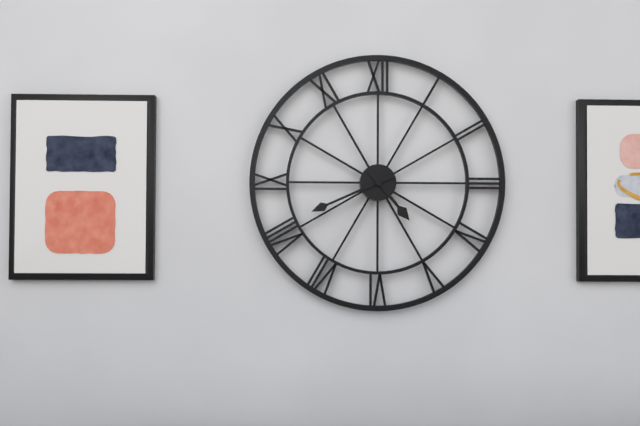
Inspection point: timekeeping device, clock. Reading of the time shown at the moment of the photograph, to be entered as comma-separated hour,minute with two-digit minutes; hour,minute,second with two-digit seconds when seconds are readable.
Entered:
4,41
